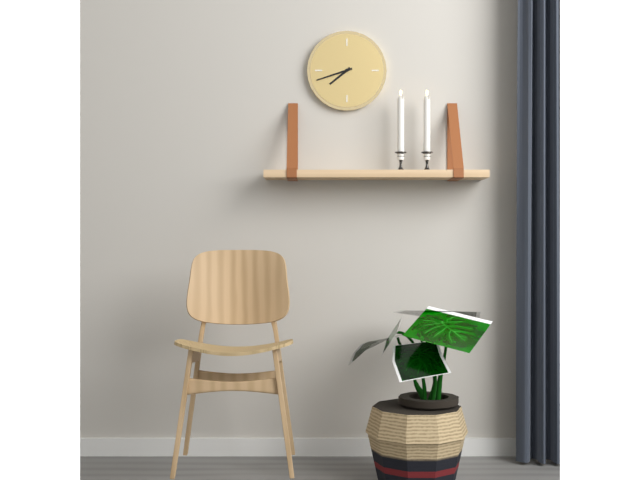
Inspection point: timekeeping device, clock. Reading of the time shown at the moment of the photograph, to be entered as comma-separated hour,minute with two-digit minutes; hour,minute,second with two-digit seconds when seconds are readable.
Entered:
7,42
